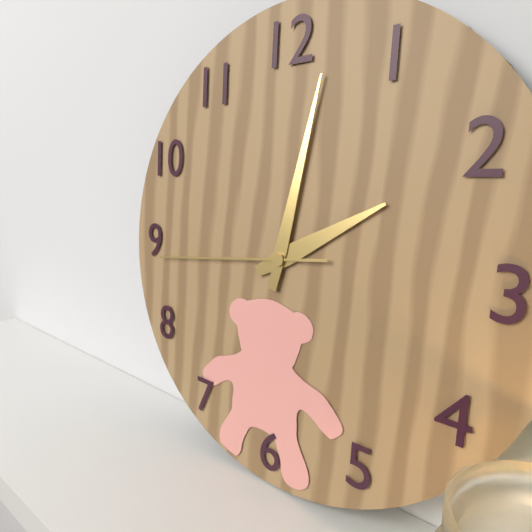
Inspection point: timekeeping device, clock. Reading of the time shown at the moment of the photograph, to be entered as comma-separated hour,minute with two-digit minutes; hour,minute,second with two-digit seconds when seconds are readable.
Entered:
2,02,44
